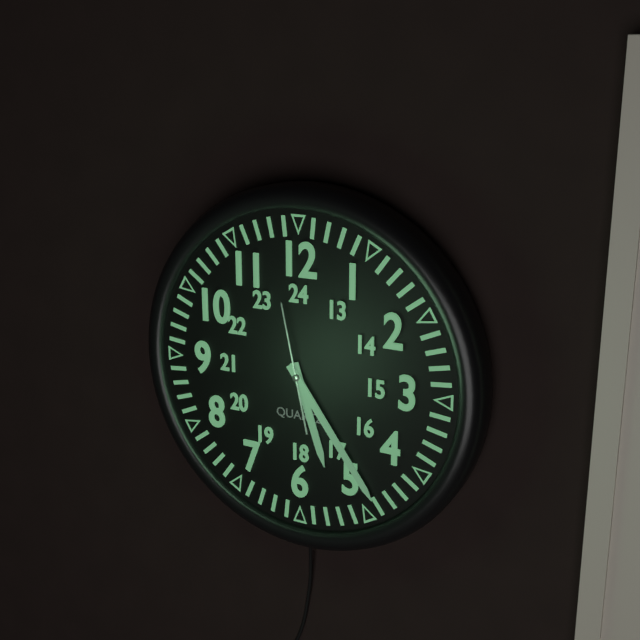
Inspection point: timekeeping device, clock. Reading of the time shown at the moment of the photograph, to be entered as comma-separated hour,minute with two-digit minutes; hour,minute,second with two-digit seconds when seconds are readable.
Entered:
5,24,58
